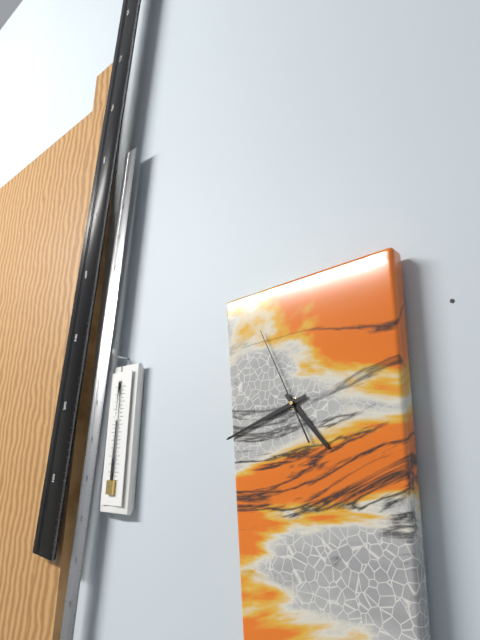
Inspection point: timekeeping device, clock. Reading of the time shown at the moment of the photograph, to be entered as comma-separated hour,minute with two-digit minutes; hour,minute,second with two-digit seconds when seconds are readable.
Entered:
4,42,56
